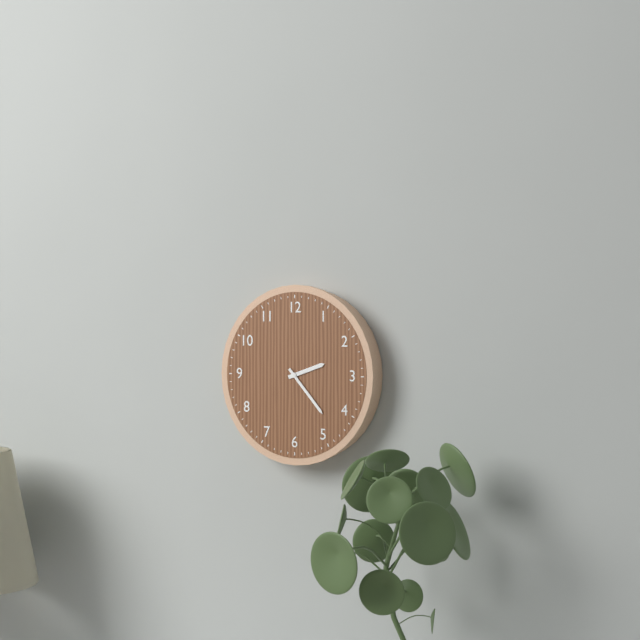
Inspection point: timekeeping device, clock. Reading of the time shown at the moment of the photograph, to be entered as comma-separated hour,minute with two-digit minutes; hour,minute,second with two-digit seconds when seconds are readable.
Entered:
2,23
